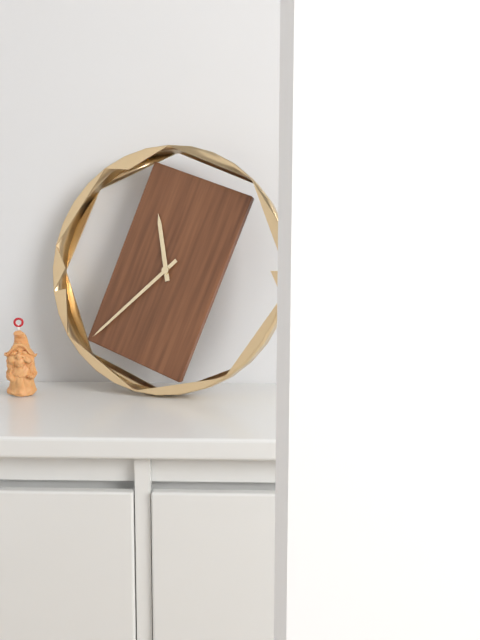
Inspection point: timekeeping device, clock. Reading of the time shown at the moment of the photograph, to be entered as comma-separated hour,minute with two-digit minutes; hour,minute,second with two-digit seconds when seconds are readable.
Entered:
11,38
